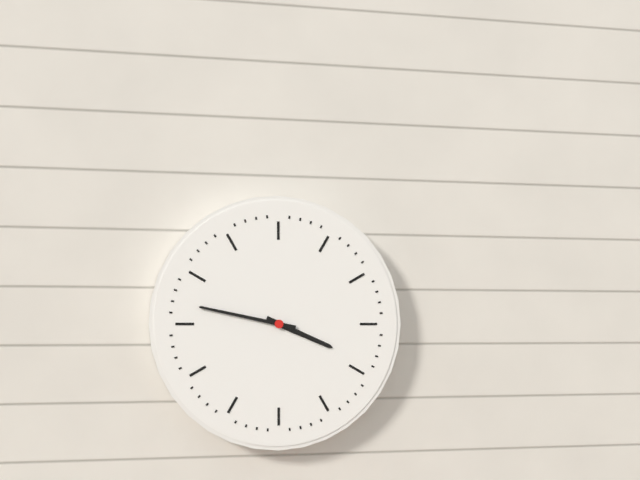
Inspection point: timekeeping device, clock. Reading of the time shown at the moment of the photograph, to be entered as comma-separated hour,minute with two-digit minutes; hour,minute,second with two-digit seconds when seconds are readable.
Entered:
3,47
